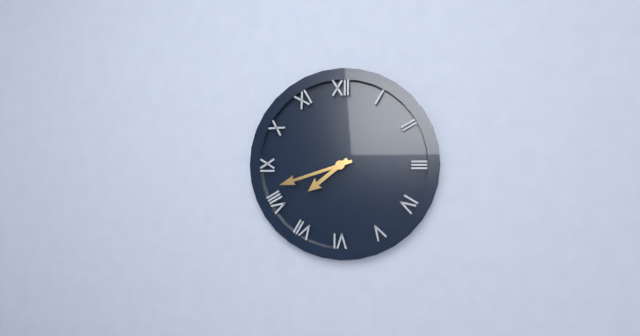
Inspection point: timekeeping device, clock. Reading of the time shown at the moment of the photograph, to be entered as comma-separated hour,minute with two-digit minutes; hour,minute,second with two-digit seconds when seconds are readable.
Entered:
7,42
